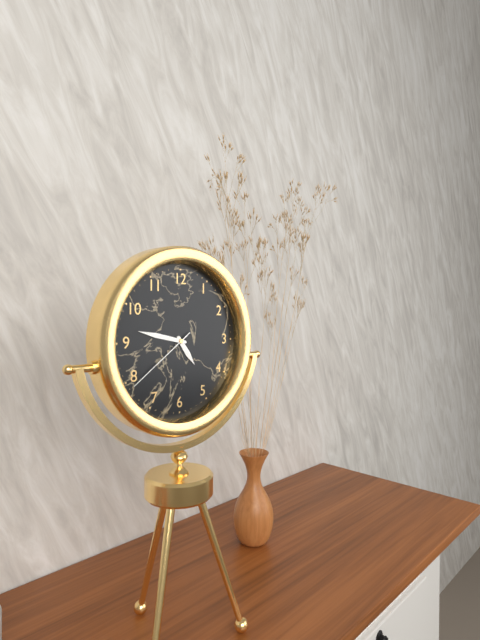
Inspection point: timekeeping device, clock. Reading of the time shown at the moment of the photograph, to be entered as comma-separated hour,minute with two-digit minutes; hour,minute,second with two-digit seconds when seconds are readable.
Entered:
4,47,39
